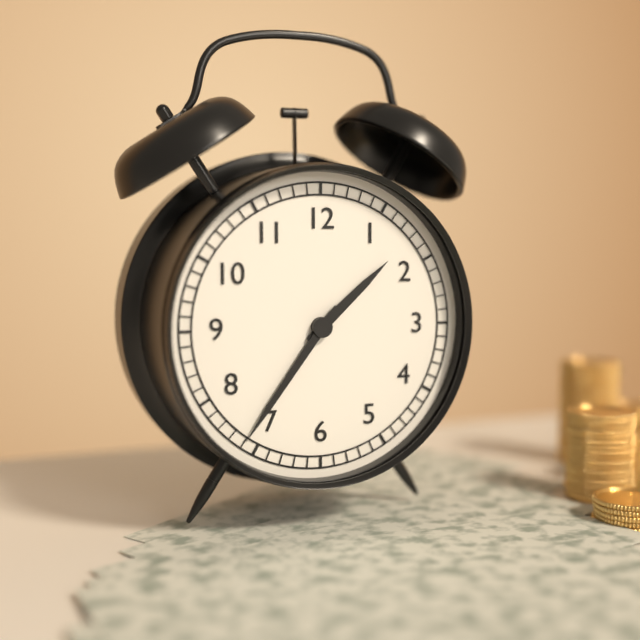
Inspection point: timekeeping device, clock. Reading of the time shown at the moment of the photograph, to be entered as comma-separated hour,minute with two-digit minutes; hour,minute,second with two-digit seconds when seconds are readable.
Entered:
1,36
